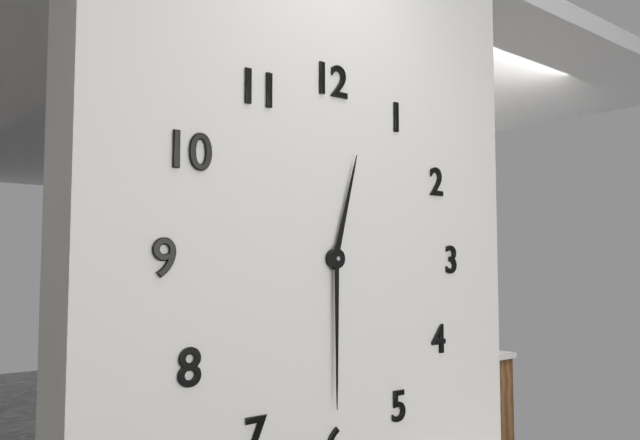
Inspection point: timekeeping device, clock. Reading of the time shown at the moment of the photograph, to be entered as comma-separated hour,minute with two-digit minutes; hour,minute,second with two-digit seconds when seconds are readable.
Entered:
12,30
